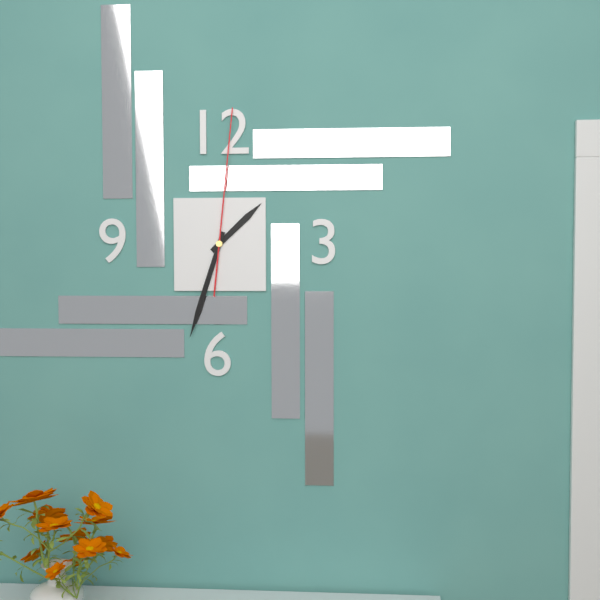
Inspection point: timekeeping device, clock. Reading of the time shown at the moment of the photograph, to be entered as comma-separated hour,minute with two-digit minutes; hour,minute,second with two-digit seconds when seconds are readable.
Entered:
1,33,01
